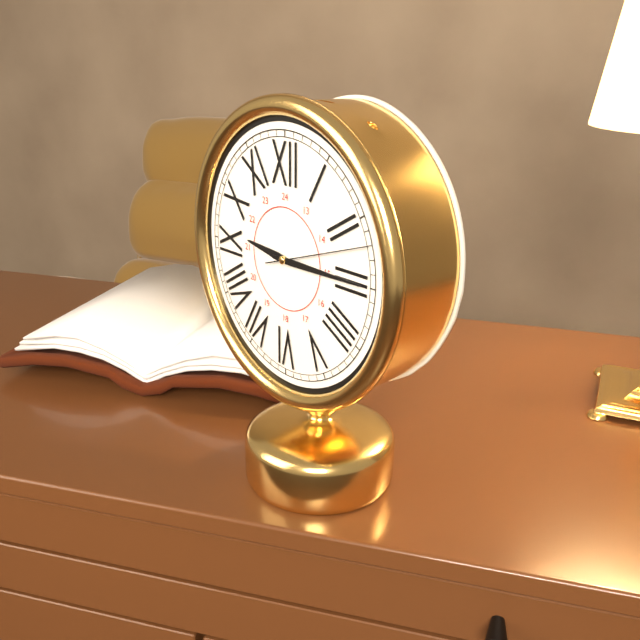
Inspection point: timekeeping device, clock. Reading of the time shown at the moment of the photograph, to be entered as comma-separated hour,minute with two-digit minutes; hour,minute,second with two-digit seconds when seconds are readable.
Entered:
9,15,12
